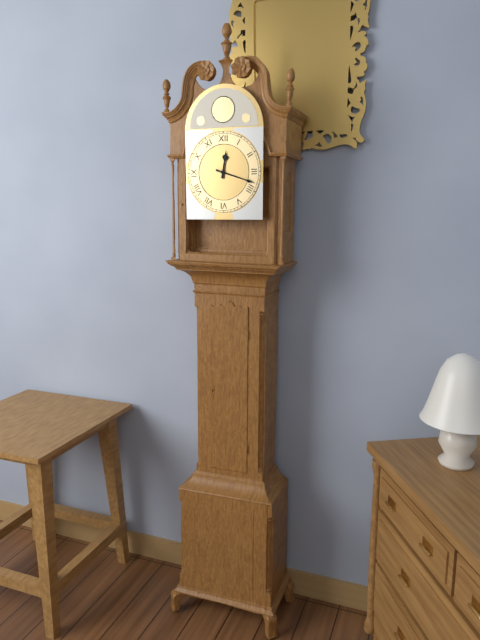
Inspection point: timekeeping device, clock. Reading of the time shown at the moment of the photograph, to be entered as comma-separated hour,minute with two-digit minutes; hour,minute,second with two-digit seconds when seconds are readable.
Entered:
12,18
